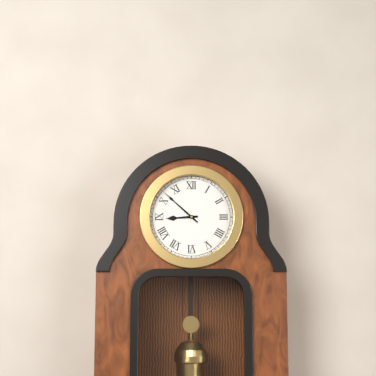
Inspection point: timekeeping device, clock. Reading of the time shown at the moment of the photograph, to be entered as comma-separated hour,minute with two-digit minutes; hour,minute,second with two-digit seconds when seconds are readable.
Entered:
8,52
